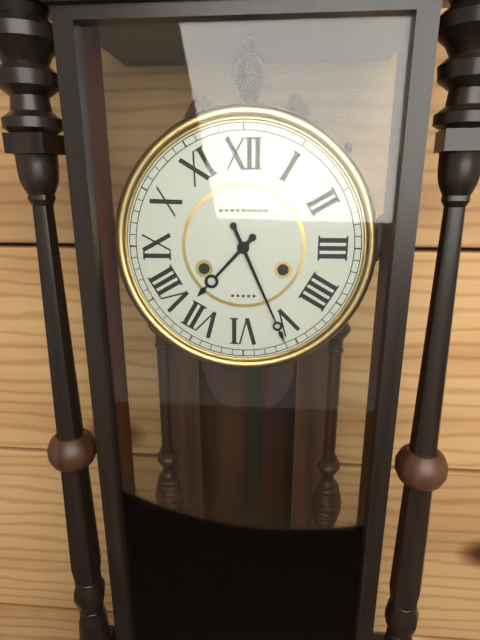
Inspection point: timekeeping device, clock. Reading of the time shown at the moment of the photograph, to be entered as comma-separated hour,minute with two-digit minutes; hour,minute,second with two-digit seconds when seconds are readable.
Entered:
7,26
